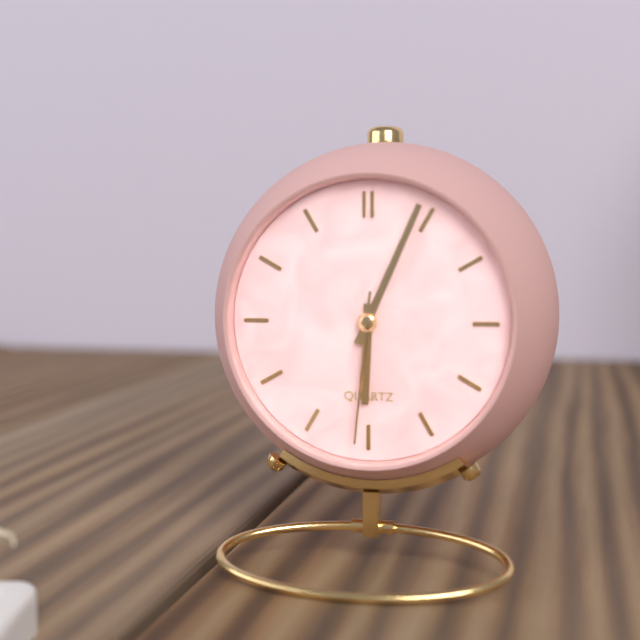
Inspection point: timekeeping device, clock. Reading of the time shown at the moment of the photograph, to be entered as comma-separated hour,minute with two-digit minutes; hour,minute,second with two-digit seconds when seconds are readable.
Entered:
6,04,31
